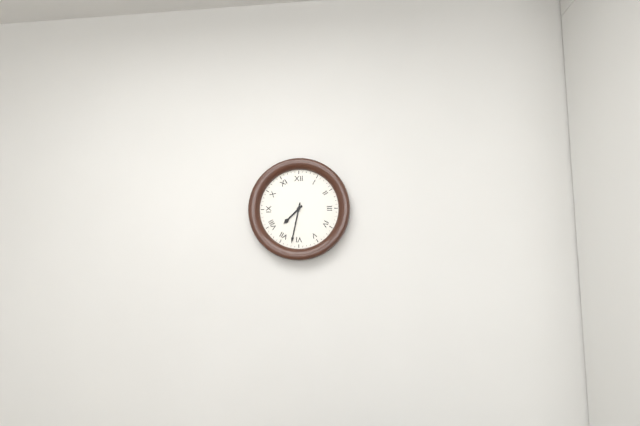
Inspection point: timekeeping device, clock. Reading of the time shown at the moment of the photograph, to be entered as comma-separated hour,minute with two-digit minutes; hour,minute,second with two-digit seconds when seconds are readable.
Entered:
7,32
